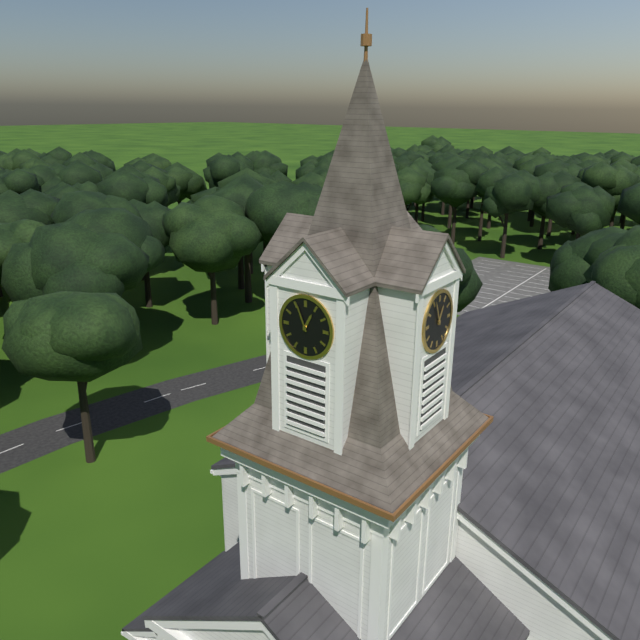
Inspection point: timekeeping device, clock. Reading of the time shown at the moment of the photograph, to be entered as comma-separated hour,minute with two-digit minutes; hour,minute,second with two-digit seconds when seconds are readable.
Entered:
12,56
